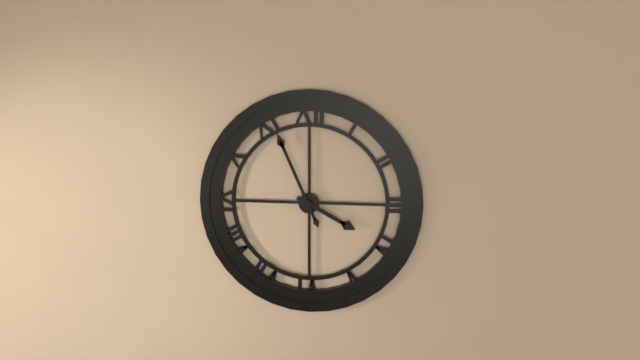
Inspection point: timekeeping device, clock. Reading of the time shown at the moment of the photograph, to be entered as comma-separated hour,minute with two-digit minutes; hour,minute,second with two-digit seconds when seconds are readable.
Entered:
3,56
